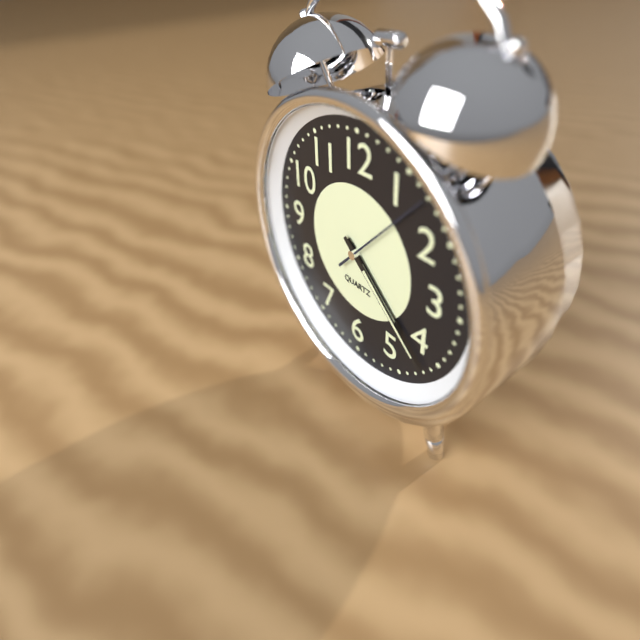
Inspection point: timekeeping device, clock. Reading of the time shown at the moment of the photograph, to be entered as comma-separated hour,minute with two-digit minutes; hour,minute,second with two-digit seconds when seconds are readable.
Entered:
4,22,07
